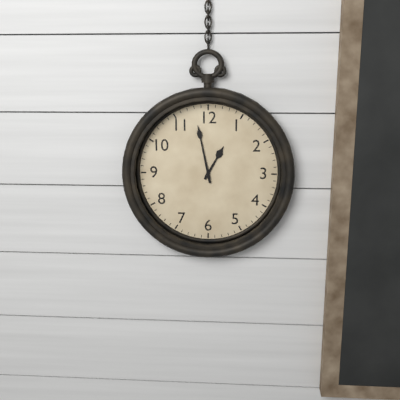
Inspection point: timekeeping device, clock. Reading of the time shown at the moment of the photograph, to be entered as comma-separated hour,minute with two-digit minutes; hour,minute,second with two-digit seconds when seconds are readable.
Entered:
12,58
